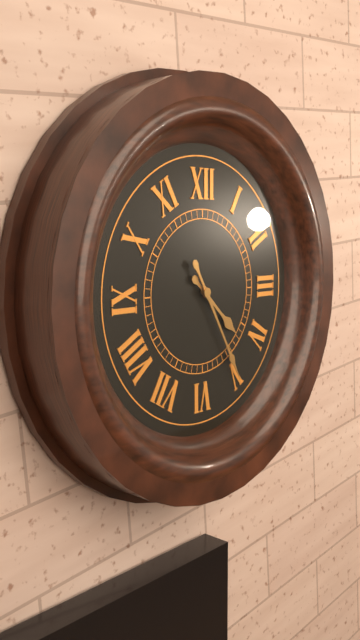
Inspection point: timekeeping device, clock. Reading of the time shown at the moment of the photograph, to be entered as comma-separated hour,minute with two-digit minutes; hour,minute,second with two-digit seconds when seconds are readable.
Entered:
4,25
